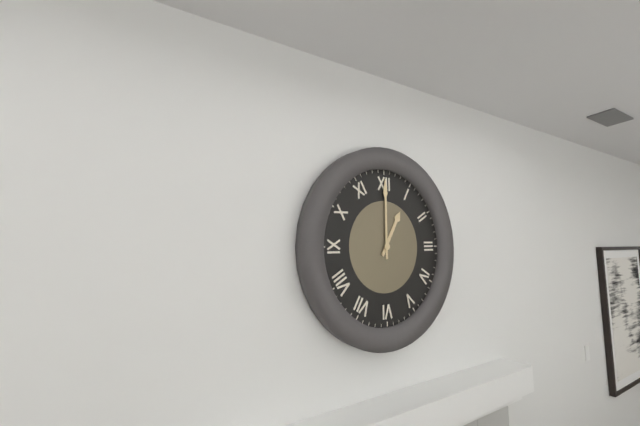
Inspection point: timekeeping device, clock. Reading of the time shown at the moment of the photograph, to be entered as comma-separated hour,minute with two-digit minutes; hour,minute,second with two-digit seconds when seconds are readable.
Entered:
1,00
